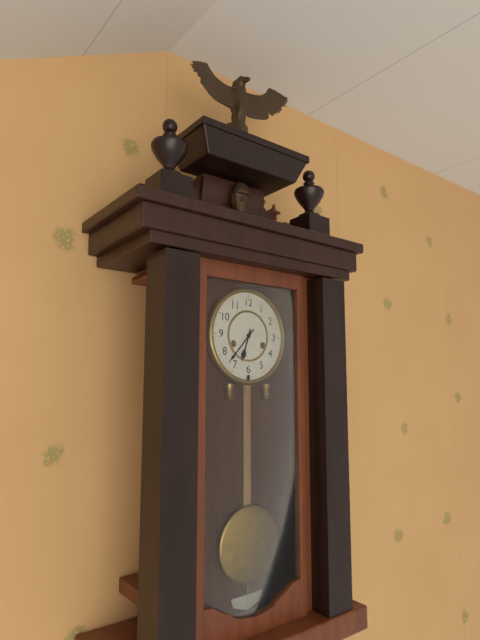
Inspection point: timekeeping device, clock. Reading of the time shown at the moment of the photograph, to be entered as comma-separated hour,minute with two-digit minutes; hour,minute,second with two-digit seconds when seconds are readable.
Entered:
6,37
